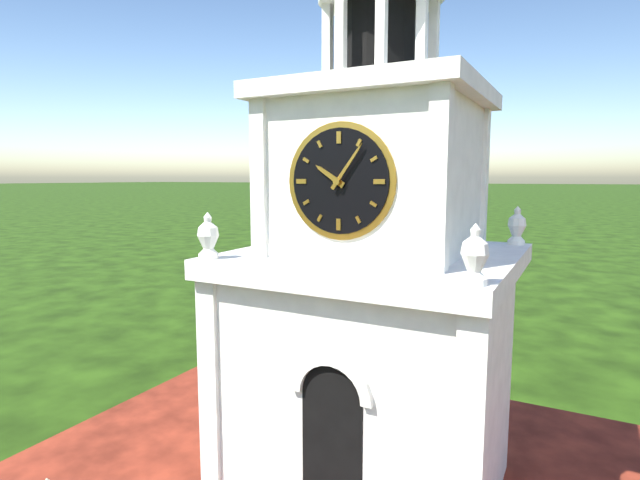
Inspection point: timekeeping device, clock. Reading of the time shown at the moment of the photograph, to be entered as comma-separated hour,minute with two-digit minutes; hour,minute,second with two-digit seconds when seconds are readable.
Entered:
10,06
